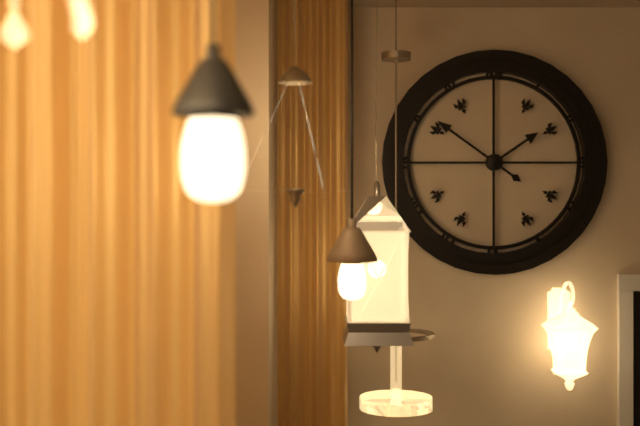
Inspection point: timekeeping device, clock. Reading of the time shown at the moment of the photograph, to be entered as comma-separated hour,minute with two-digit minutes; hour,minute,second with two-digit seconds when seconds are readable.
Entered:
1,51
